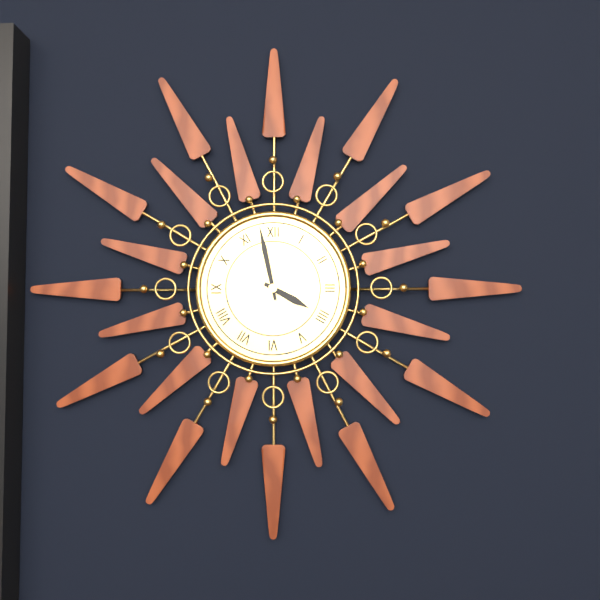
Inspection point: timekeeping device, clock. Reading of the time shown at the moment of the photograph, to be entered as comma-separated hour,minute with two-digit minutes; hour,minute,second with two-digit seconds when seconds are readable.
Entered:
3,58
